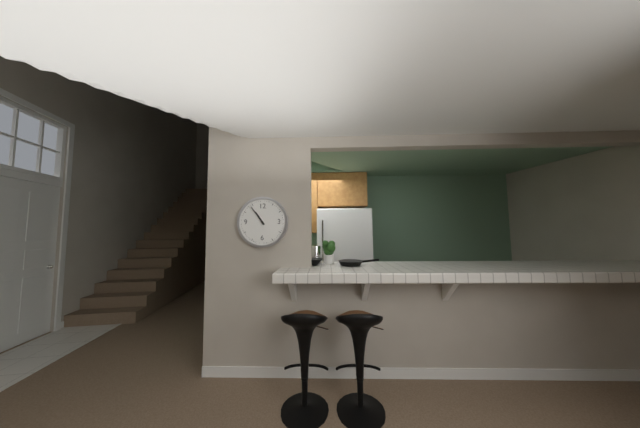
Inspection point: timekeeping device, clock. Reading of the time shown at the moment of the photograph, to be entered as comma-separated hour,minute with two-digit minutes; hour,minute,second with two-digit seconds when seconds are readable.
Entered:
10,54
